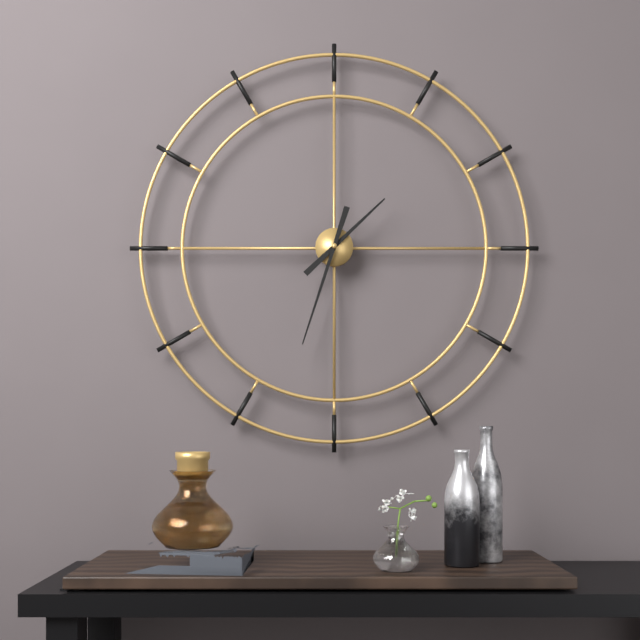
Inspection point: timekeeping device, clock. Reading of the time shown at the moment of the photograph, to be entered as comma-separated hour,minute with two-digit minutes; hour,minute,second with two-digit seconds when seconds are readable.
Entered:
1,33
